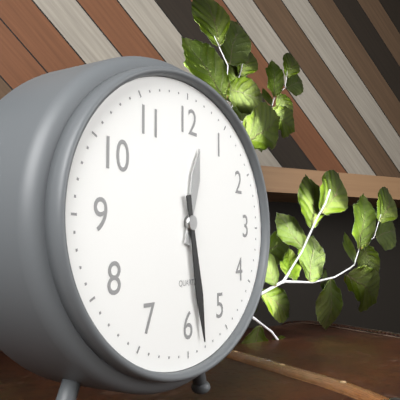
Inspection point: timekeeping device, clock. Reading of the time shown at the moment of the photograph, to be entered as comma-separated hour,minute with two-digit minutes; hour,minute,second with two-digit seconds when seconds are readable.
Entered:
12,28
